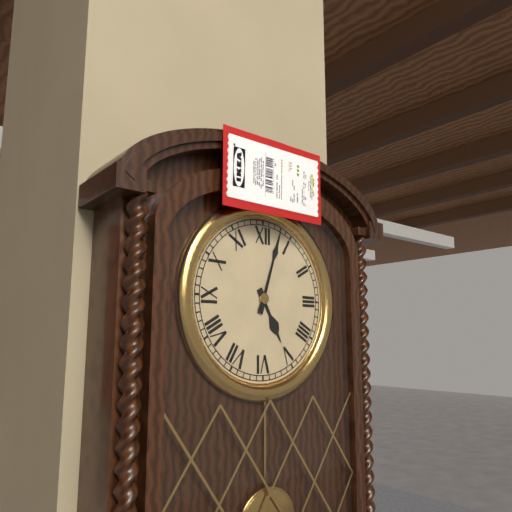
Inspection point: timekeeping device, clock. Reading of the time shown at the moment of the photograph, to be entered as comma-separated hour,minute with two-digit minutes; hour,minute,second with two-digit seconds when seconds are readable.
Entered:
5,03
